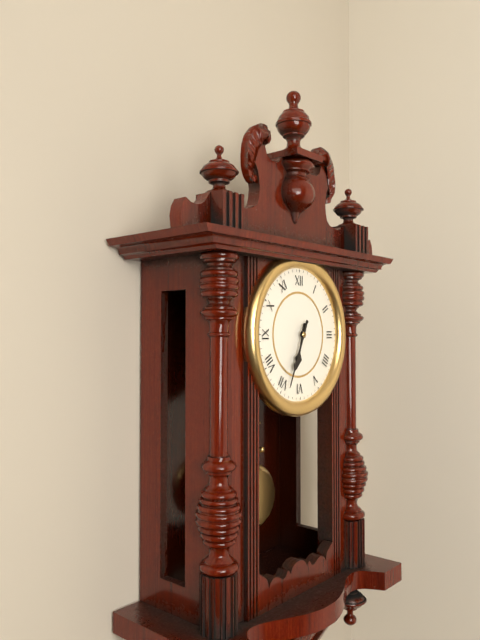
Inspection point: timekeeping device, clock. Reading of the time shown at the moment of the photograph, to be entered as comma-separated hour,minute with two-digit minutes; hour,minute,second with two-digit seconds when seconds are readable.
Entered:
6,34
